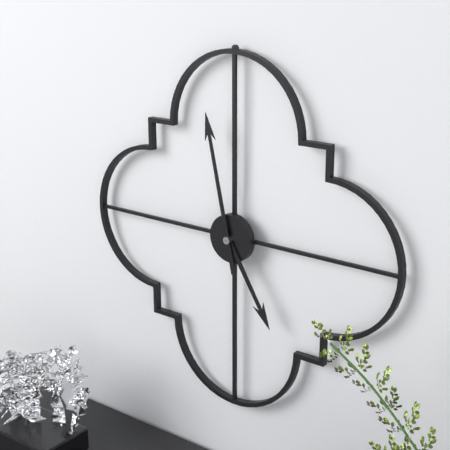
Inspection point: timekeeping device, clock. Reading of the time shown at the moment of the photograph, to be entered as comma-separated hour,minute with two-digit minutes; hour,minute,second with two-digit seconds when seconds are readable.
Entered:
4,58
